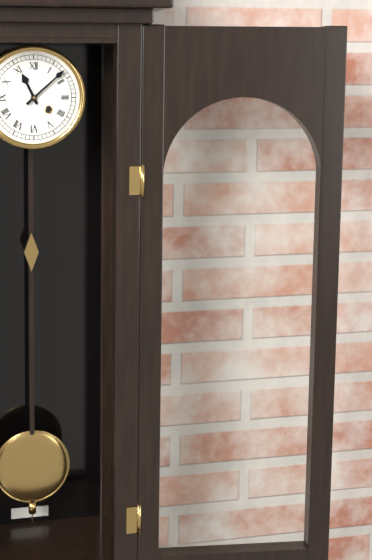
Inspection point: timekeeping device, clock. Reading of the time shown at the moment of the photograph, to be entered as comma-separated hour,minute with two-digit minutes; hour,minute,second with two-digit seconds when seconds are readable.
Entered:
11,08
